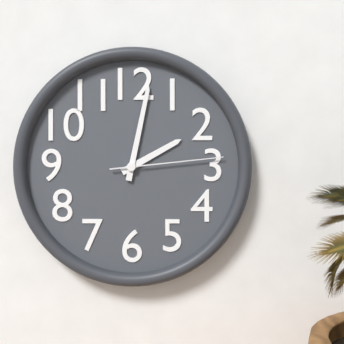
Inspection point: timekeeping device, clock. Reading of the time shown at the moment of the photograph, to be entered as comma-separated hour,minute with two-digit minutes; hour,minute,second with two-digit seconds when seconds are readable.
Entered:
2,02,14
